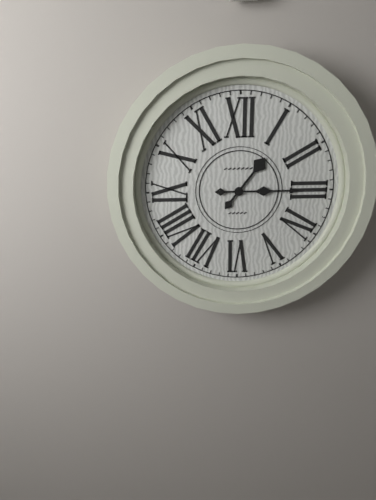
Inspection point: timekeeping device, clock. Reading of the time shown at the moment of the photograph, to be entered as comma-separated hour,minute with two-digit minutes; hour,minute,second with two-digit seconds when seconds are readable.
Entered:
1,15
